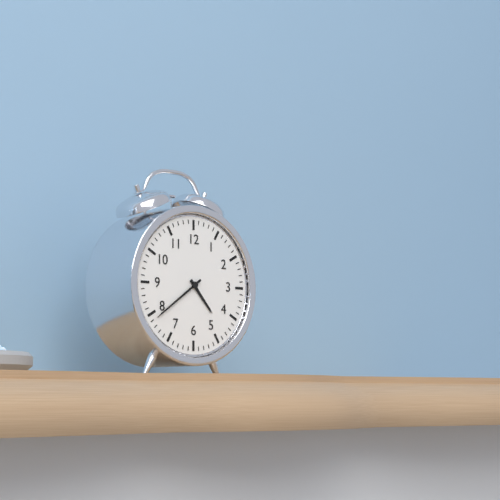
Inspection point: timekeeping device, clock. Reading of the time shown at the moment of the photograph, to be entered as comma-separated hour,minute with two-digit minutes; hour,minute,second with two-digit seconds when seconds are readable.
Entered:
4,39
